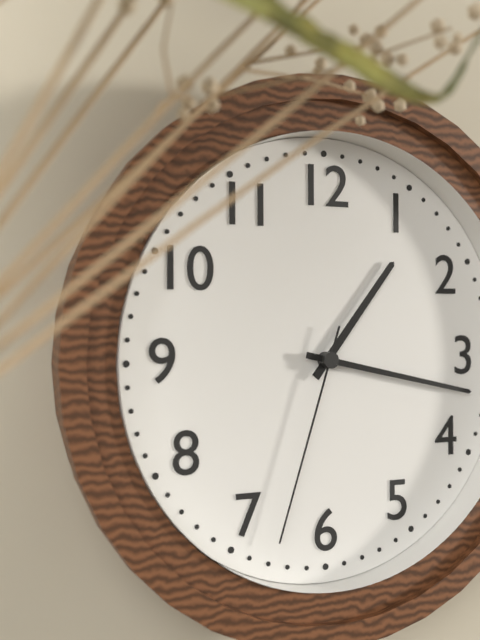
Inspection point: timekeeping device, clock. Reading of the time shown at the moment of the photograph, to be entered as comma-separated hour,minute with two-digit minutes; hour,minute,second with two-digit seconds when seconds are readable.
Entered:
1,17,33
